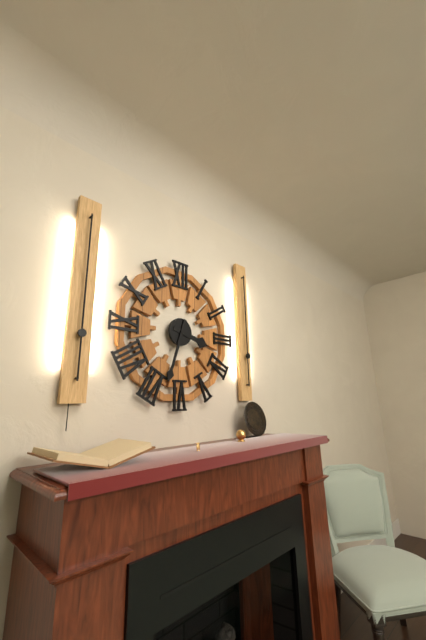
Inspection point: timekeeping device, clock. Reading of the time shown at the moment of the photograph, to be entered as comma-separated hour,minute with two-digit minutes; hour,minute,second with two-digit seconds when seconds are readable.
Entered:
3,33
